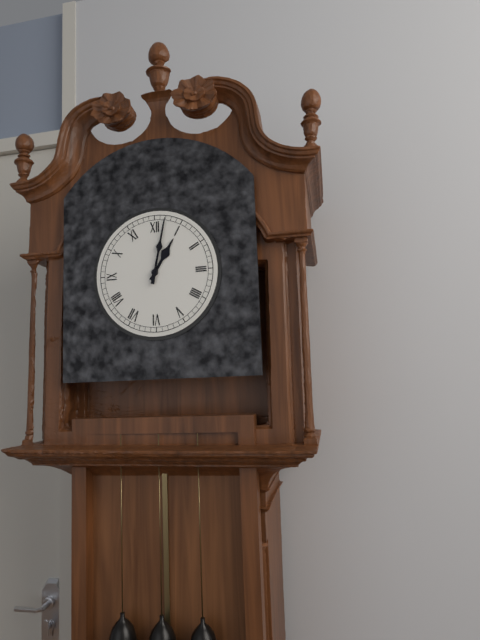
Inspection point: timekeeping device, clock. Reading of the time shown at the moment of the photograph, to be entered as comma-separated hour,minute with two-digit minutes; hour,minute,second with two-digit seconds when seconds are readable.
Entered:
1,02
